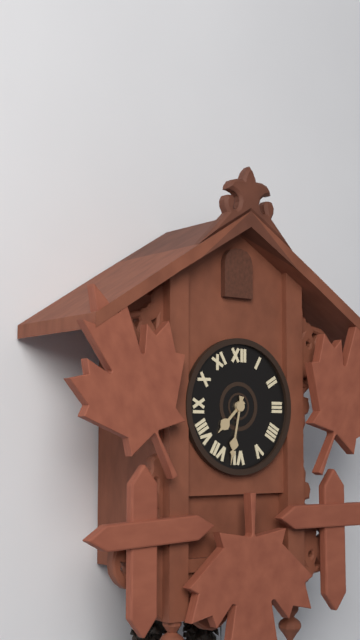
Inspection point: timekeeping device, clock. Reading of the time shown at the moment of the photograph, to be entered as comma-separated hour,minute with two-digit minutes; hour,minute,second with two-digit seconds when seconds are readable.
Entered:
7,32
